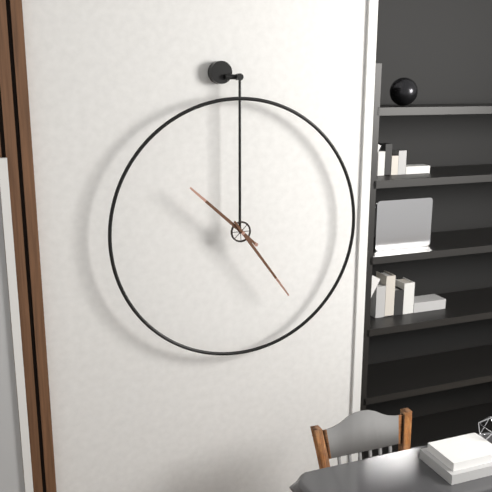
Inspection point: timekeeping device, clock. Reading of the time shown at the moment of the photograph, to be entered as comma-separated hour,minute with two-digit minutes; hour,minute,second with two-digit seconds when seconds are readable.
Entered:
10,24
